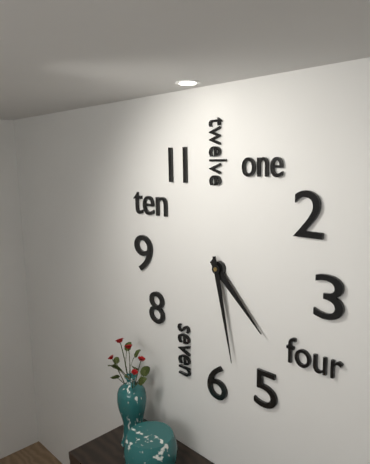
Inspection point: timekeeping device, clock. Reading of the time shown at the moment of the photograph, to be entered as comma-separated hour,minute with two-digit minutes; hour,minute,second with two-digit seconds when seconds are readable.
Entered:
4,28
